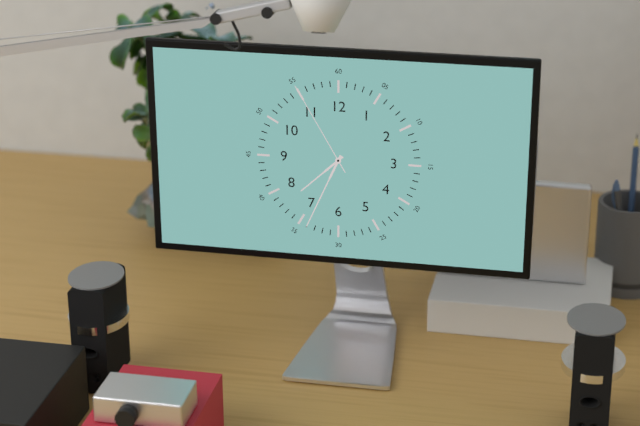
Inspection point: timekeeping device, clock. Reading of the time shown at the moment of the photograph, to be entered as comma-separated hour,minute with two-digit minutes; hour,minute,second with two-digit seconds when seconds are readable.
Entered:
7,34,55
